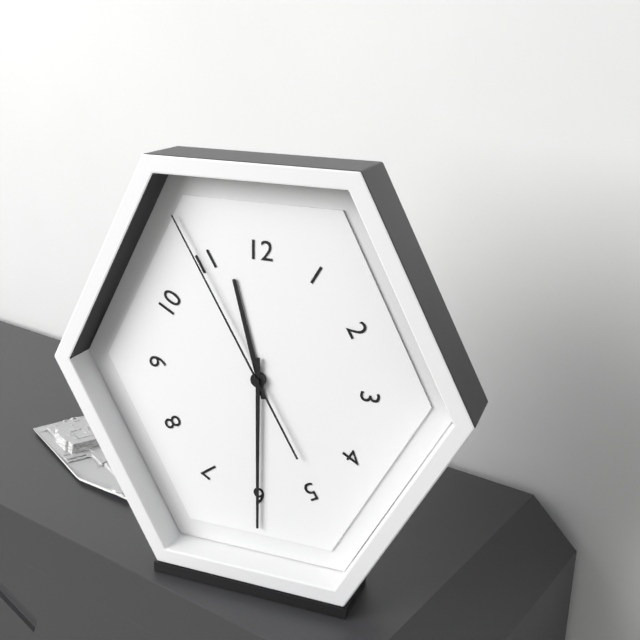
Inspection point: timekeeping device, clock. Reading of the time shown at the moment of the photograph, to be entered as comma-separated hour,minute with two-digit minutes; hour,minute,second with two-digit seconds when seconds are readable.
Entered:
11,30,55
